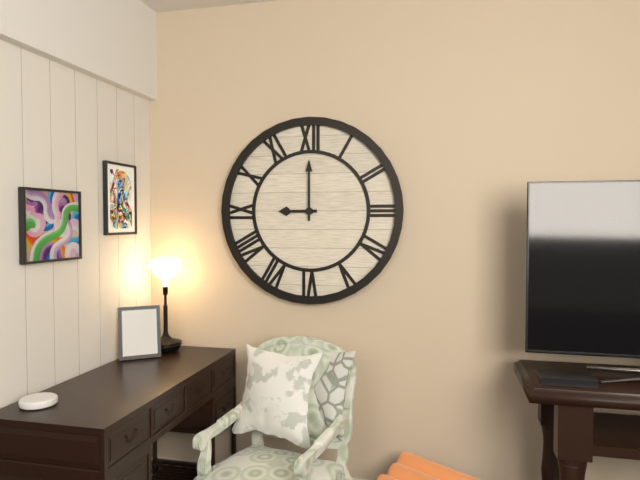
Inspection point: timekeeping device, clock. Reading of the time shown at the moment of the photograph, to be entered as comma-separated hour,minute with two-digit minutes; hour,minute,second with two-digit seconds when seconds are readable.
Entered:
9,00
